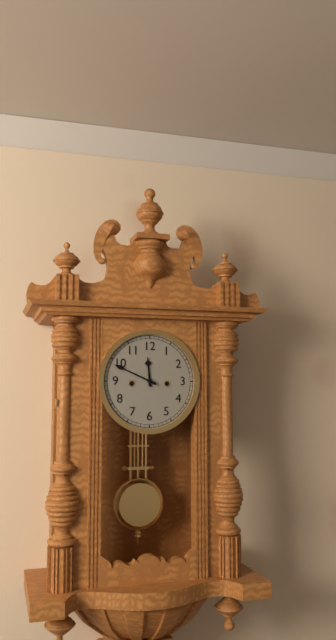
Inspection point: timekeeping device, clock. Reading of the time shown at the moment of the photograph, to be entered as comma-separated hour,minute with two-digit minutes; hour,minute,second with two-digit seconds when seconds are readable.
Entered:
11,49
